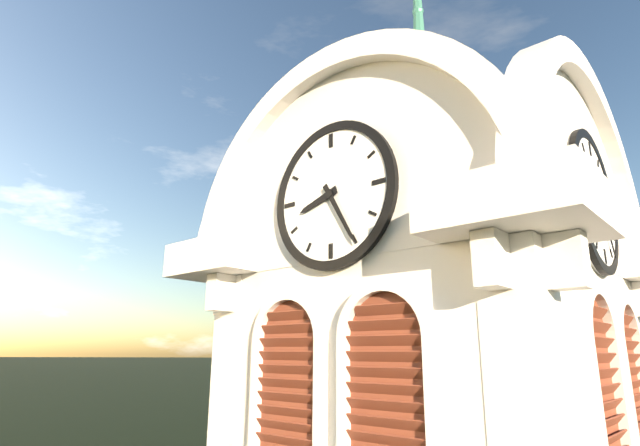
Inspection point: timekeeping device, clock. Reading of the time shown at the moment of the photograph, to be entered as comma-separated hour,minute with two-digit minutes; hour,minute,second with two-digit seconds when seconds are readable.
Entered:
8,25
